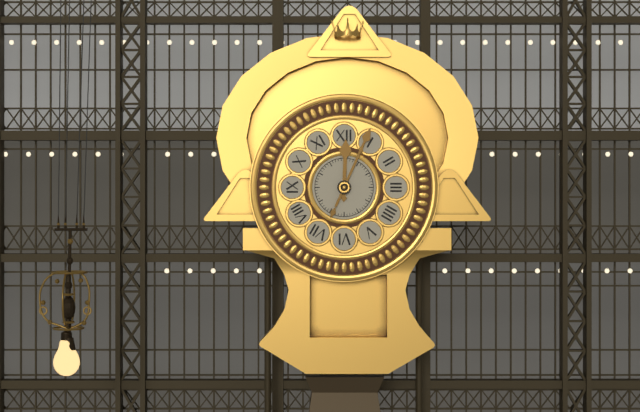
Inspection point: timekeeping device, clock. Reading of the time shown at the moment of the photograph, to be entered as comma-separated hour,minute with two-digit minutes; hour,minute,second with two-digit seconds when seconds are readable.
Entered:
12,04
